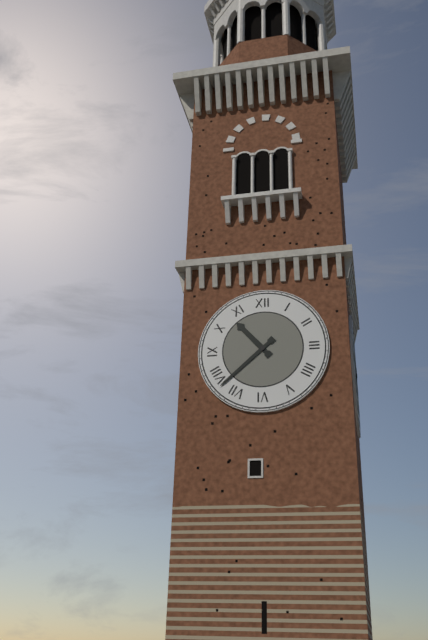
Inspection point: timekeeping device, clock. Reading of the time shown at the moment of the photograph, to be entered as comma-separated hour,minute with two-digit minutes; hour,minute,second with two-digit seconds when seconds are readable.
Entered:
10,38
